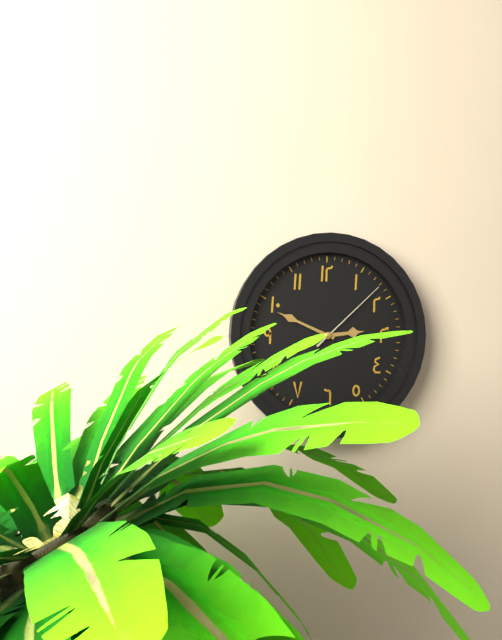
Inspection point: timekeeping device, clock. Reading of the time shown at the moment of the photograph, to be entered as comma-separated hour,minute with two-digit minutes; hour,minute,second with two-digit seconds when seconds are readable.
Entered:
2,49,08
